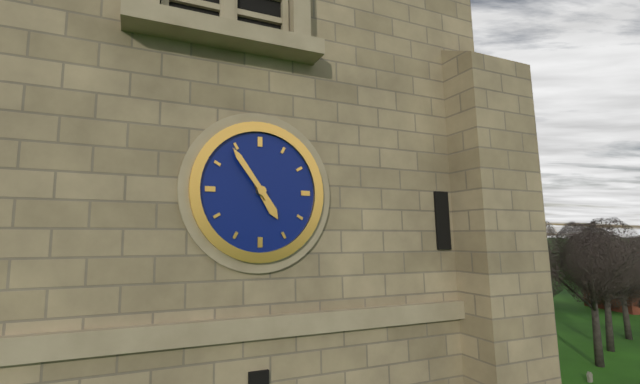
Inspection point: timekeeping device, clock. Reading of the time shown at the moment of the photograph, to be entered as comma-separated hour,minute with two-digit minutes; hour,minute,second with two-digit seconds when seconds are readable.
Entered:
4,54
